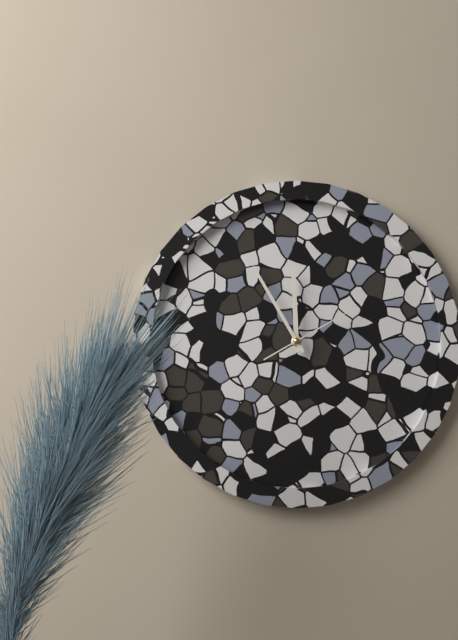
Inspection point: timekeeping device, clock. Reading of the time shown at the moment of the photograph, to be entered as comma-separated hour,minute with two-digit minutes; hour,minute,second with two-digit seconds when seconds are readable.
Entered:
11,55,10
